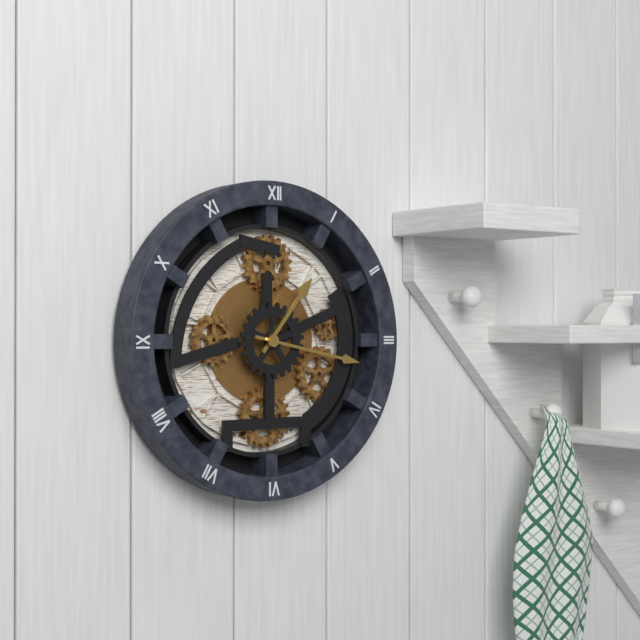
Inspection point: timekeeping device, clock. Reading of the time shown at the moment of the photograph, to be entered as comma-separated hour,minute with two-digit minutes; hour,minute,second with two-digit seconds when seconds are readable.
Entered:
1,17
